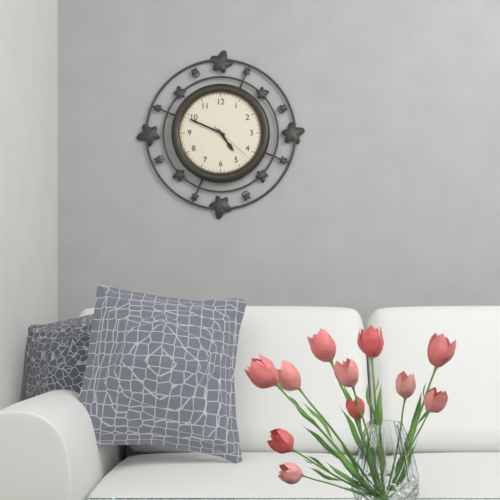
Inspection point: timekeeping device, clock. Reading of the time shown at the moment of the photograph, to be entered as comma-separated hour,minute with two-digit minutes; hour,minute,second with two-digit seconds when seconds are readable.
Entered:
4,49
